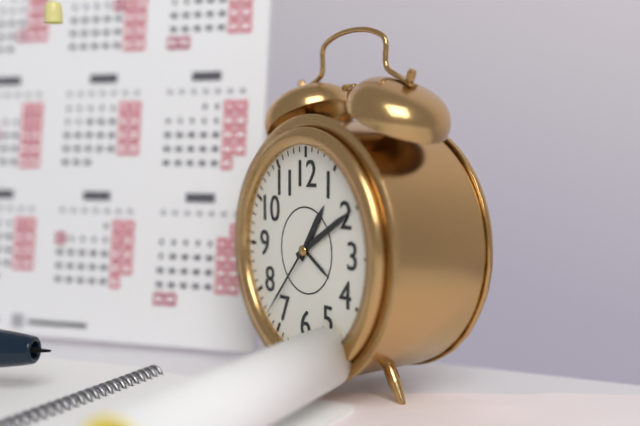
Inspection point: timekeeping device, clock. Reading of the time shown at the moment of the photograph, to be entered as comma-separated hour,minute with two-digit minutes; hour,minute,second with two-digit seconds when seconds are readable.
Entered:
1,10,37
